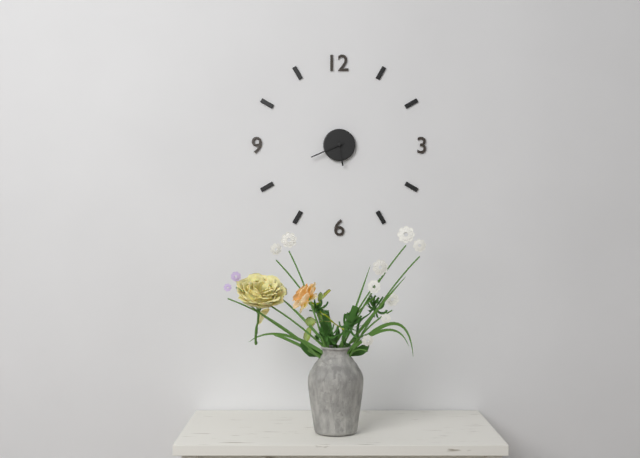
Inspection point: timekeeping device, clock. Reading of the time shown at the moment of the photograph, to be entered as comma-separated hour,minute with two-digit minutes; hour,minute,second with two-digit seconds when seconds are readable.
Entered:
5,41
